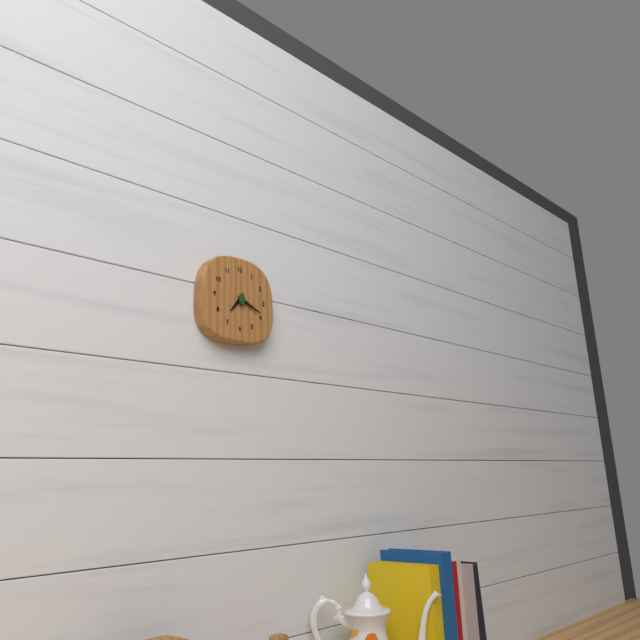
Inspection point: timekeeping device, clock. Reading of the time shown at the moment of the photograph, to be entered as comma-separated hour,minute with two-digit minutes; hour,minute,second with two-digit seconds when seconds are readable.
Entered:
7,19
